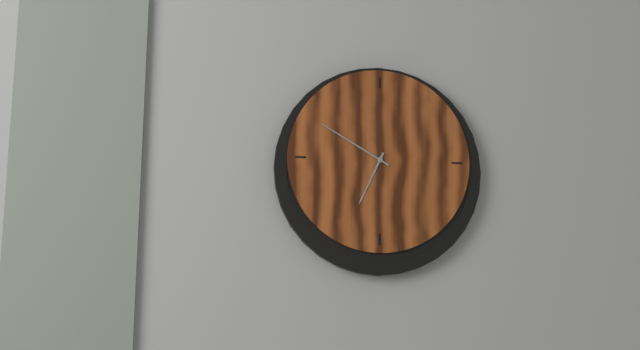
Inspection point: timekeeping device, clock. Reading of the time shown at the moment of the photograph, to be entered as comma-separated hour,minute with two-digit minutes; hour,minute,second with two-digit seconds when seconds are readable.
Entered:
6,50
